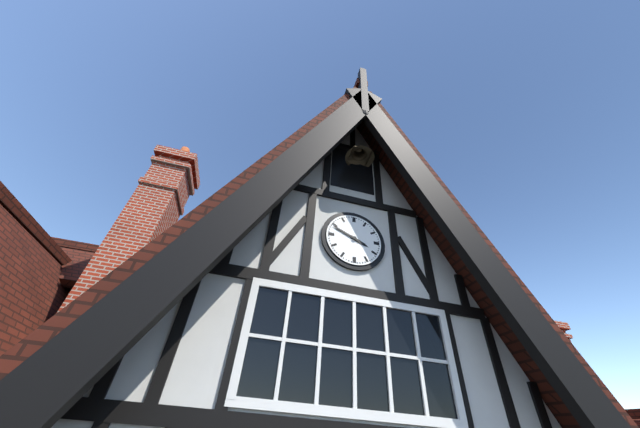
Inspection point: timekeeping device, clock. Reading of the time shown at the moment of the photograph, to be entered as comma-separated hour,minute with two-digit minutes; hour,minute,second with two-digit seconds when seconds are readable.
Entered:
3,49
